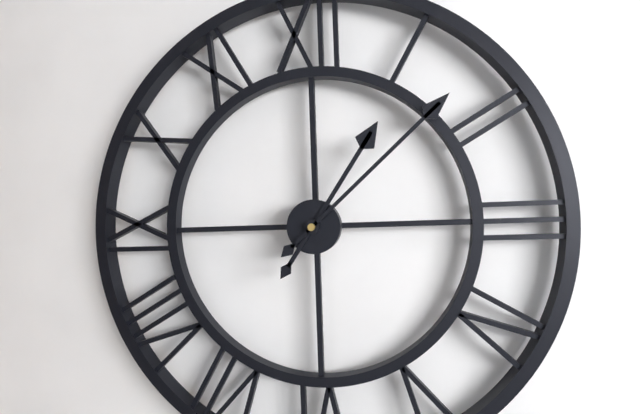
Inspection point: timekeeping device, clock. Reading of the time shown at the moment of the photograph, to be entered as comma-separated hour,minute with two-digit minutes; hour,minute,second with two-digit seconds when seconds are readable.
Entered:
1,08
